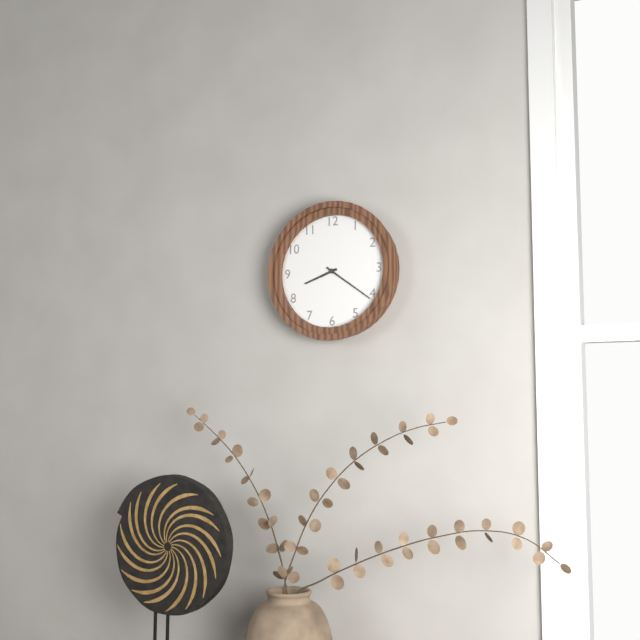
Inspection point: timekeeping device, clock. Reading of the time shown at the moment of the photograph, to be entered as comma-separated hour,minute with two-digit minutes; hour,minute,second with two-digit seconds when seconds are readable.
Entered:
8,21
